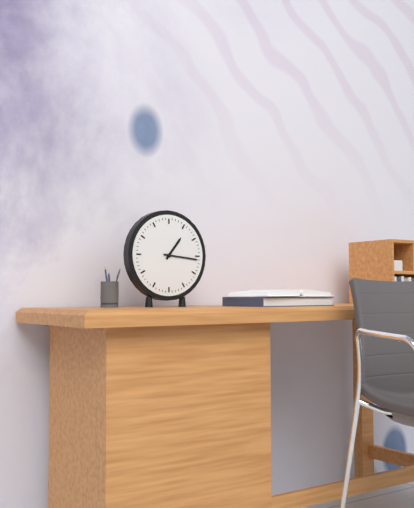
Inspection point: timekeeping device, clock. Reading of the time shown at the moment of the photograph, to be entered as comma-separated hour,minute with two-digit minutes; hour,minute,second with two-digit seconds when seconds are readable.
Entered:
1,16
